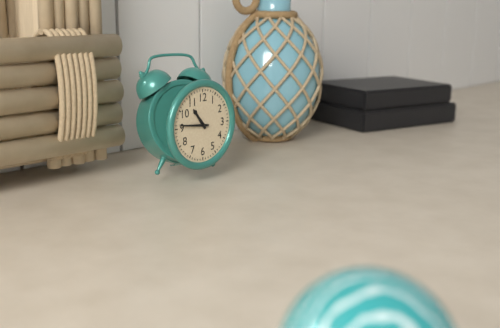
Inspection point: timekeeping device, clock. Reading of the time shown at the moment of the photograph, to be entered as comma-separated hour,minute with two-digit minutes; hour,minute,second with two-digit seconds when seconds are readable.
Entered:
10,46
